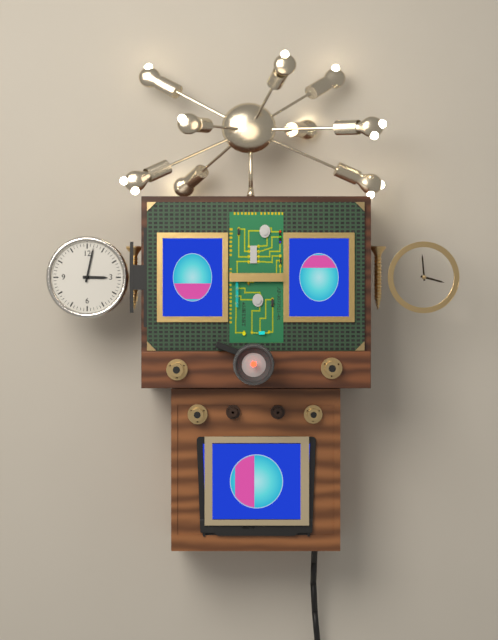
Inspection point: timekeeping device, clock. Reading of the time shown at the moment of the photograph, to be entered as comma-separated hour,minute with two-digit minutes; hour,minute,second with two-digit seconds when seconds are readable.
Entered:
3,02
